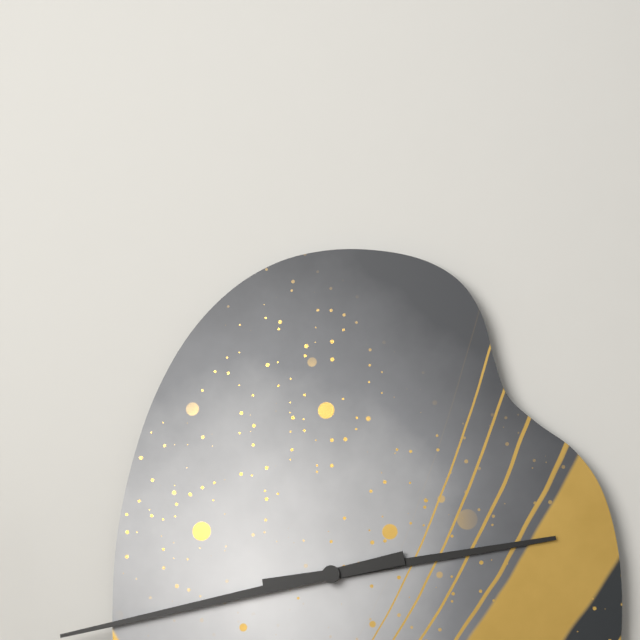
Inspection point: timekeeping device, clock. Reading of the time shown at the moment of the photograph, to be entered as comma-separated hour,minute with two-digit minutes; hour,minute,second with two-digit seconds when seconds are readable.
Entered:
2,43
